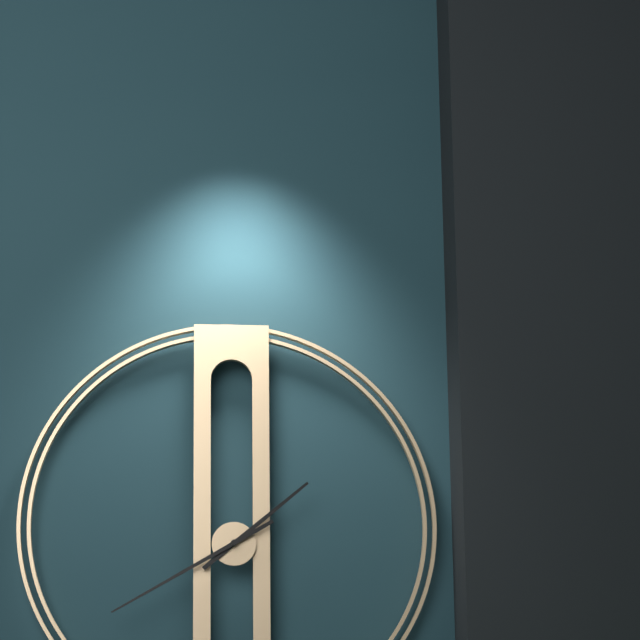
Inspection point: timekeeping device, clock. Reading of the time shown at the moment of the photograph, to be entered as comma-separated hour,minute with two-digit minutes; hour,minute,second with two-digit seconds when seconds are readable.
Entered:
1,40
